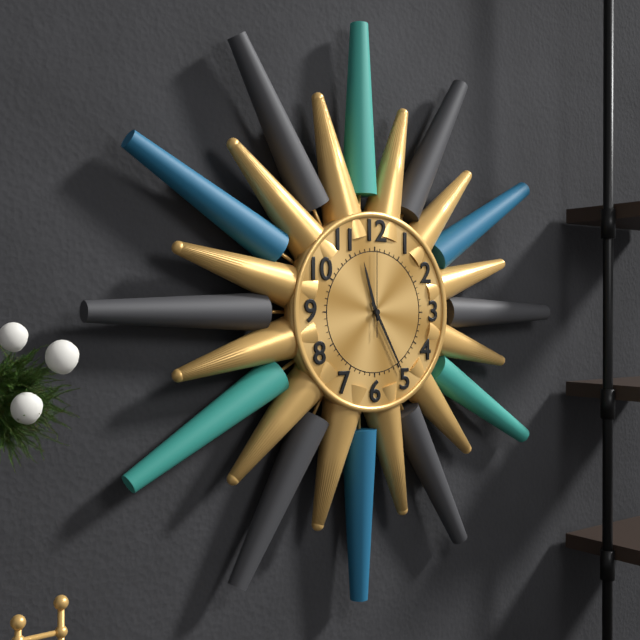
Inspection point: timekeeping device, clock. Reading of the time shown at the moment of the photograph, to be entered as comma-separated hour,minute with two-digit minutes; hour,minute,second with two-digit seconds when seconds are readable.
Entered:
11,25,00
